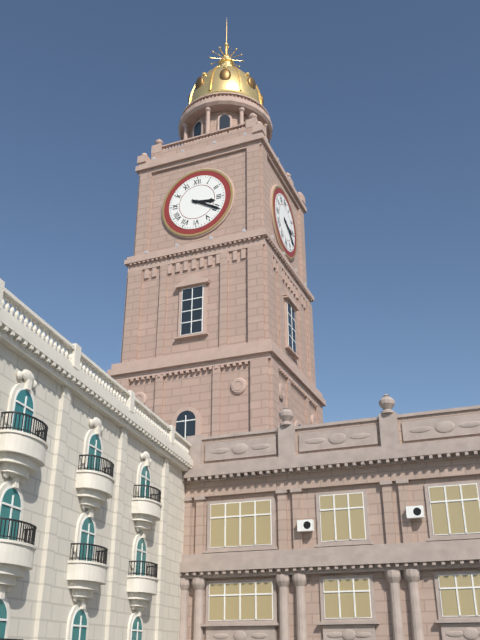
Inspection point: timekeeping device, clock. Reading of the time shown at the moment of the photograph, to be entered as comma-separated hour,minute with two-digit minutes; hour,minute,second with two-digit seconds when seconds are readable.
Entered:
3,20
